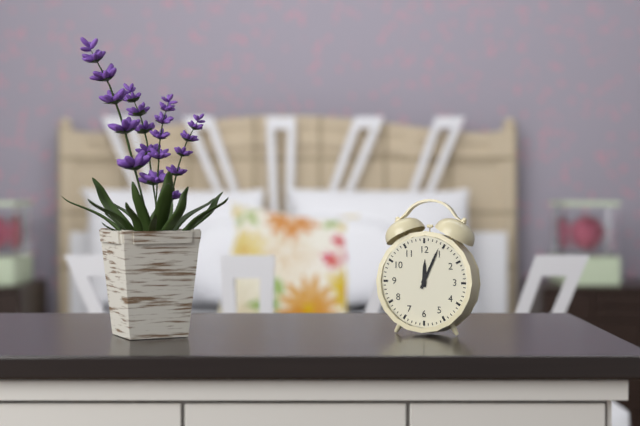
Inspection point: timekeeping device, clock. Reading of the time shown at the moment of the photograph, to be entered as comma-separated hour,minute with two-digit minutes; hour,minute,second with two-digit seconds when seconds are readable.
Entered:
12,04
